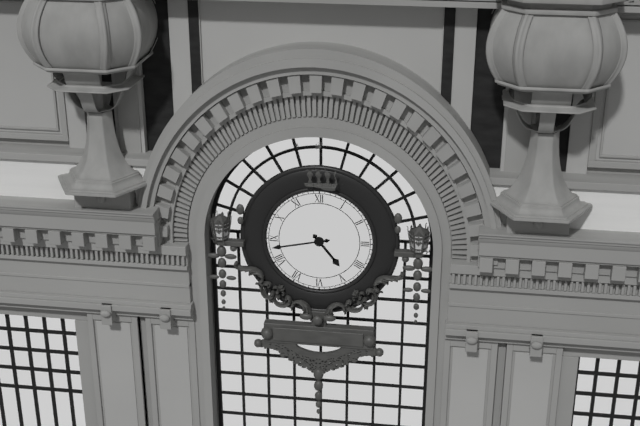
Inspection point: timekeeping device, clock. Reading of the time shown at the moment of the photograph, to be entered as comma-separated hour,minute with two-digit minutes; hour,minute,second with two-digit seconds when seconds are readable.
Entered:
4,43
